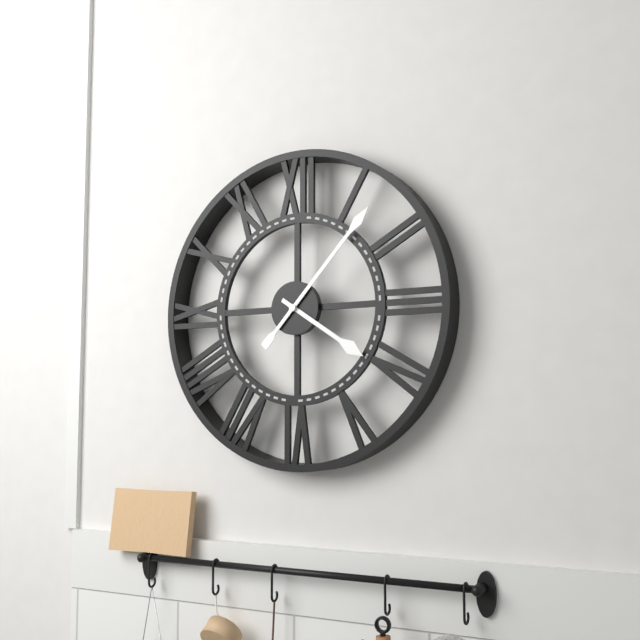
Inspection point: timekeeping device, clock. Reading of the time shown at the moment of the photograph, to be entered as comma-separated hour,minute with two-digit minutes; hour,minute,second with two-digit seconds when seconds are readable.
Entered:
4,07
